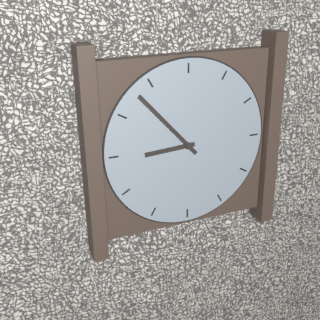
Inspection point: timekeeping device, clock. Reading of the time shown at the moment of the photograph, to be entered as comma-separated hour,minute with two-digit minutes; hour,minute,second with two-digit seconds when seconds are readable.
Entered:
8,53
